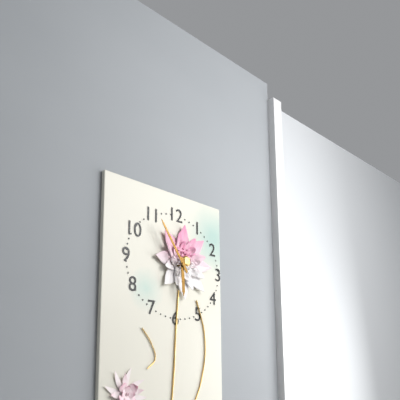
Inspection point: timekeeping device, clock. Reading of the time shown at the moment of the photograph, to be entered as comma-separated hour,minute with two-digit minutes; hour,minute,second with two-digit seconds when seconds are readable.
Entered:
5,54
